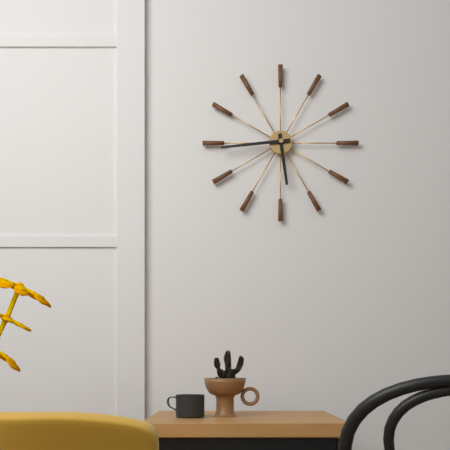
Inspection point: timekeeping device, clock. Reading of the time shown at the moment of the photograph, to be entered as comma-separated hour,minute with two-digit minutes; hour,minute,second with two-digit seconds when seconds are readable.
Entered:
5,44
